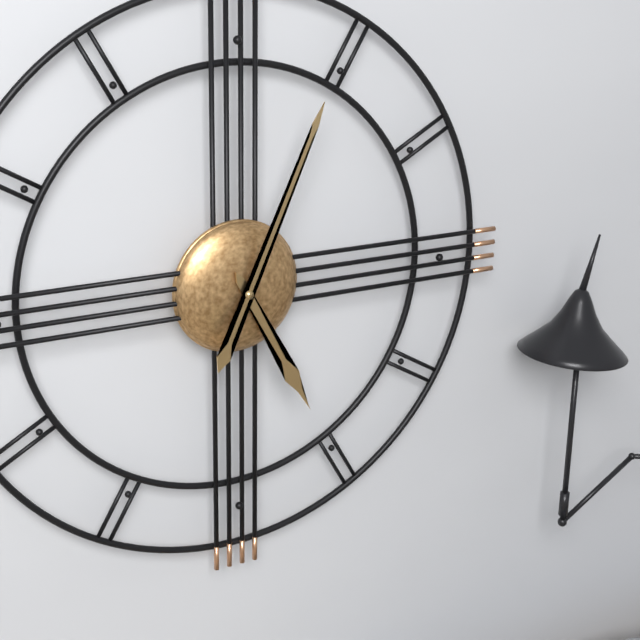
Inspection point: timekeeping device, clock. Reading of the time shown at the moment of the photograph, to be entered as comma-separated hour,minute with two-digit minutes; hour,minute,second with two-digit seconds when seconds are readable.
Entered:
5,04
